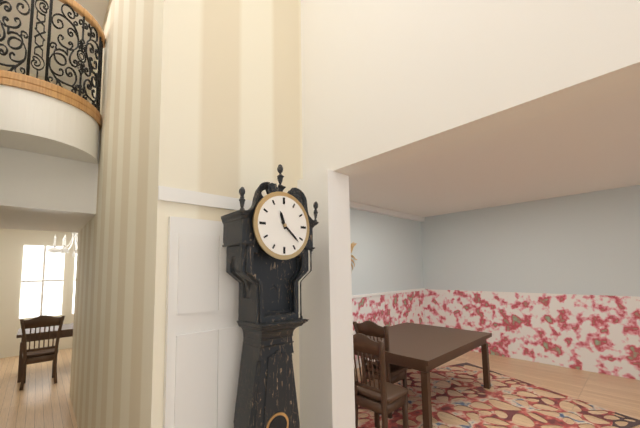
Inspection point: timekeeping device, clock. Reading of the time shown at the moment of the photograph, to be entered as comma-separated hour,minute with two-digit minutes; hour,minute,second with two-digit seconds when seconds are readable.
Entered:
11,22
